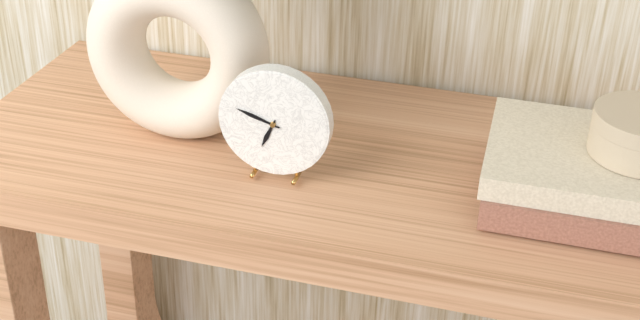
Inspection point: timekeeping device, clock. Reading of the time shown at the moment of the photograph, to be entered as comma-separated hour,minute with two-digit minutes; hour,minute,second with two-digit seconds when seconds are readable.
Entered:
6,48
